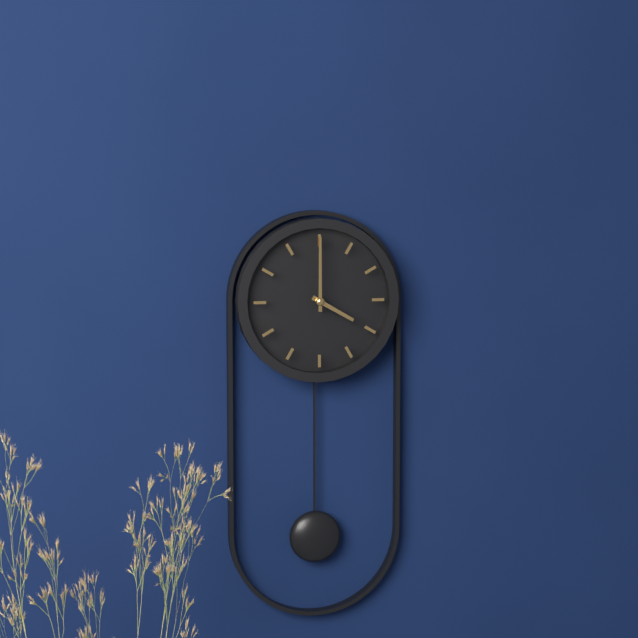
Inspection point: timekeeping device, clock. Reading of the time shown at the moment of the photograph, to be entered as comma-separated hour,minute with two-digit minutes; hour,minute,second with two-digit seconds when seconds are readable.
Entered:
4,00
